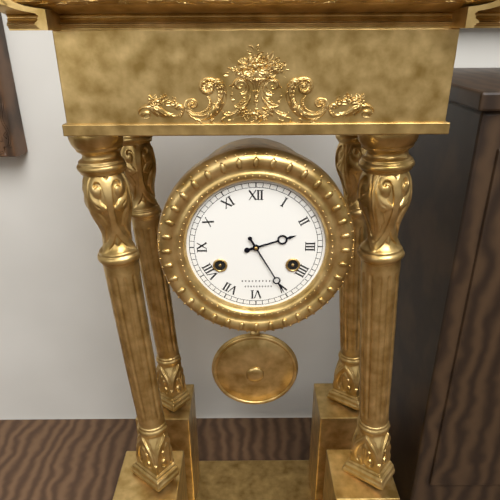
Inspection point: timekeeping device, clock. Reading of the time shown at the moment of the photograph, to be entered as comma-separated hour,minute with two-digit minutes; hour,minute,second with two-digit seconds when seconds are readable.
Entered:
2,25
